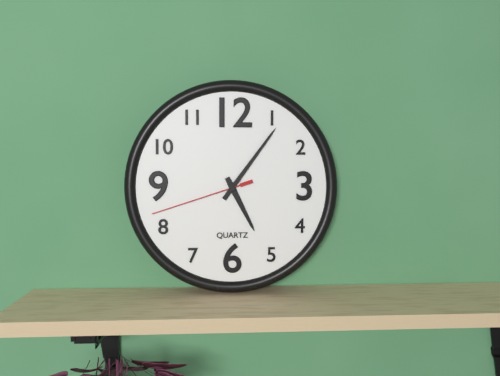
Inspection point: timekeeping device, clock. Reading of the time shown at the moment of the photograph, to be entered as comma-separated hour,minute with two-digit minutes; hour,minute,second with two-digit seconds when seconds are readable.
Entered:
5,06,42
